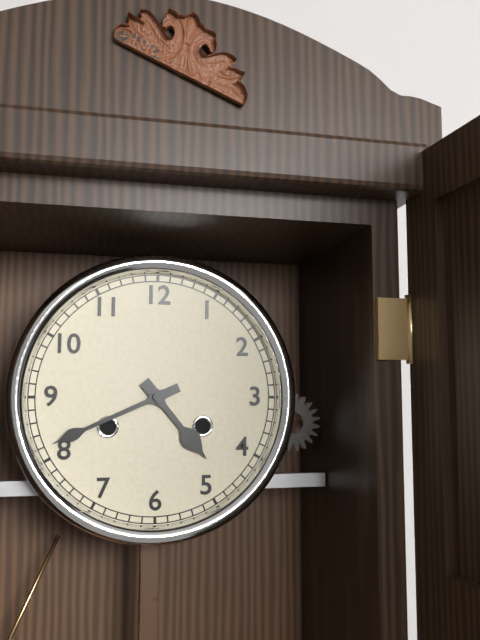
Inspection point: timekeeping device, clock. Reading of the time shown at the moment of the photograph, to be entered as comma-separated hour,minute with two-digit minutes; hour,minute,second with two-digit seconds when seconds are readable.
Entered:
4,41
